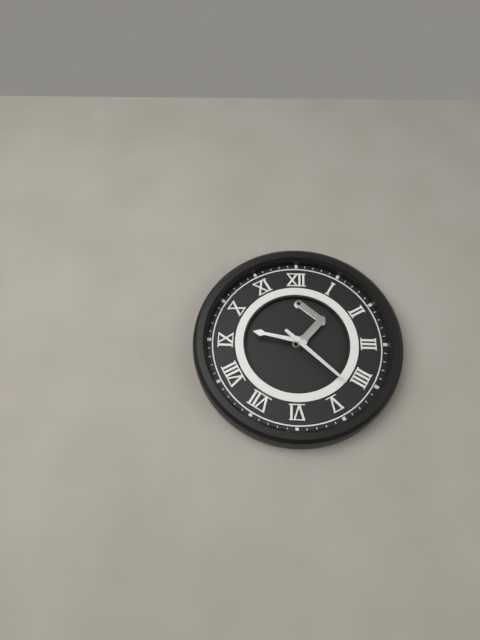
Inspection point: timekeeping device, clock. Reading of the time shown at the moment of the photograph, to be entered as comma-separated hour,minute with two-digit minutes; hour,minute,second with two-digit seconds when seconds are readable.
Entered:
9,22
